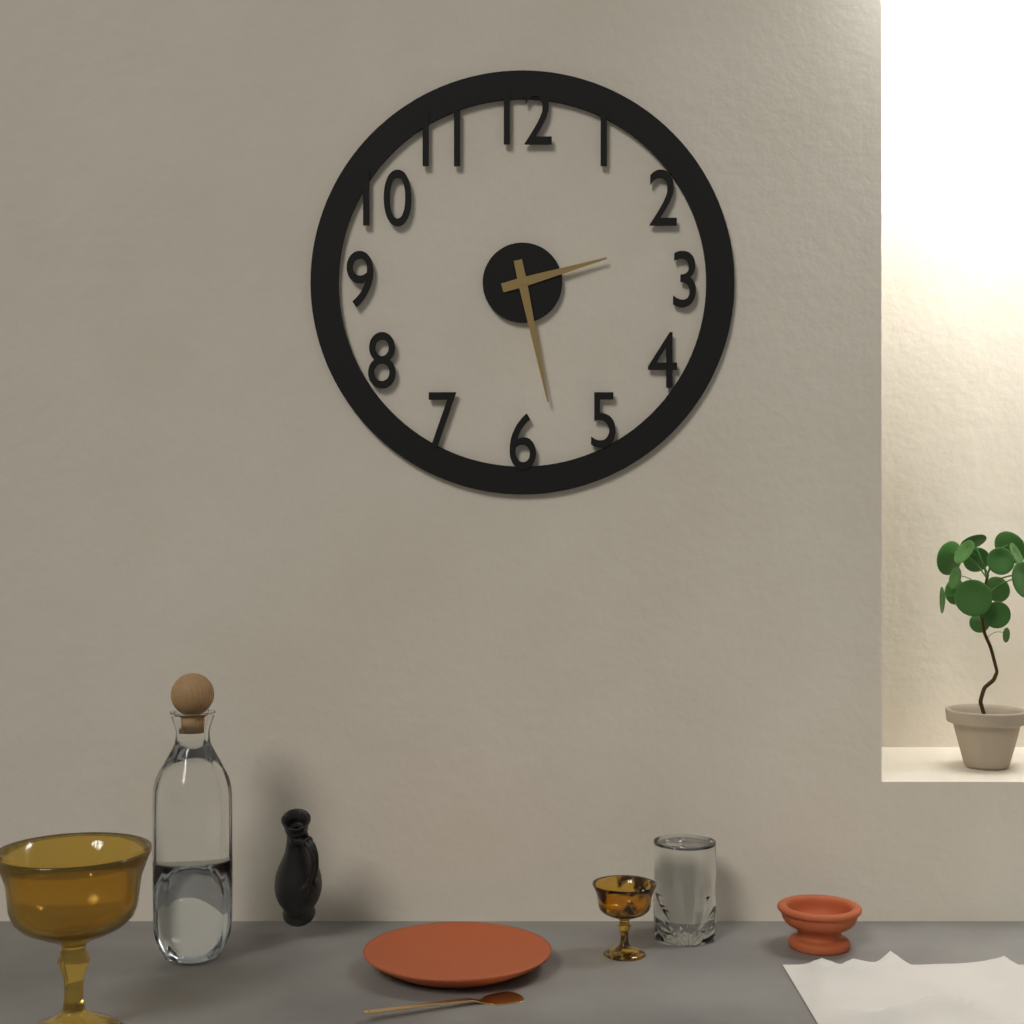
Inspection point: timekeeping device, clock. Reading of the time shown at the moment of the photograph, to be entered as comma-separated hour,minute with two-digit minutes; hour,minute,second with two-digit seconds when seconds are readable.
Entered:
2,28
